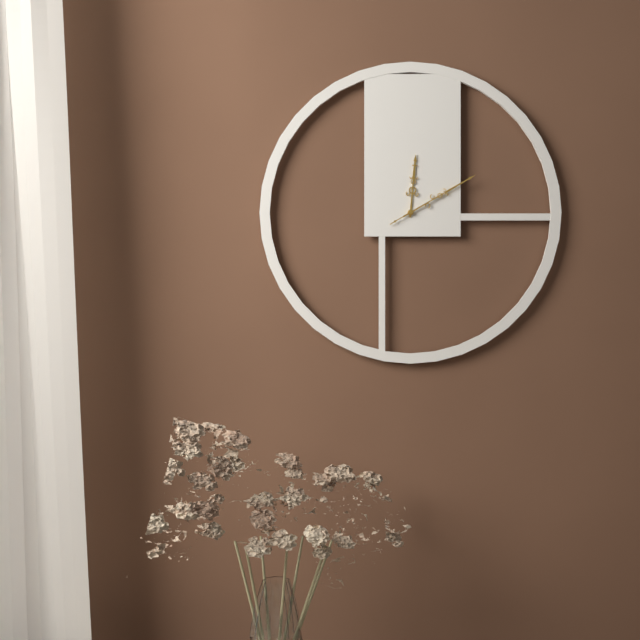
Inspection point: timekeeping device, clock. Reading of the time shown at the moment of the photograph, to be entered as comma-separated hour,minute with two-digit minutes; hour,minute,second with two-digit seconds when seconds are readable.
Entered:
12,10,10
